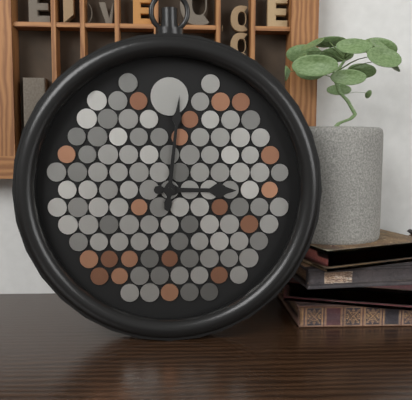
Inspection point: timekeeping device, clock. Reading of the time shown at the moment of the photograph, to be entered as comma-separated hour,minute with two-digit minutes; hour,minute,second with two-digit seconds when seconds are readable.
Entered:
3,01
